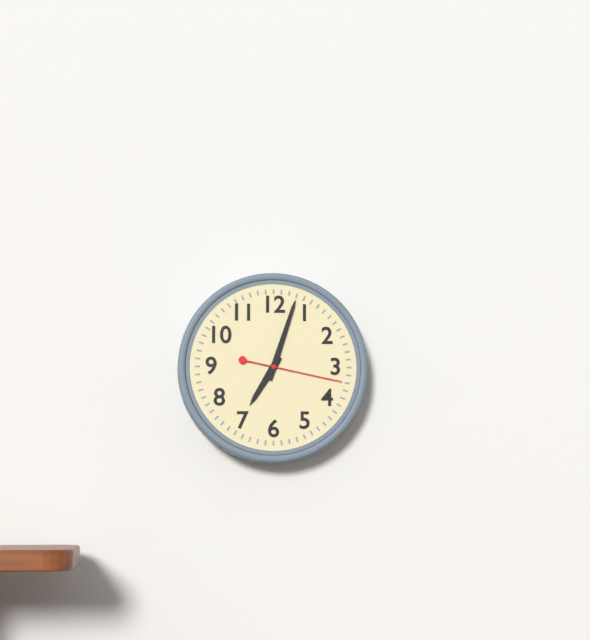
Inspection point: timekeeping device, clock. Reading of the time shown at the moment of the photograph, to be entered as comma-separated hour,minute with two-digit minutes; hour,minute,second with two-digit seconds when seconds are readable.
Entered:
7,03,17
